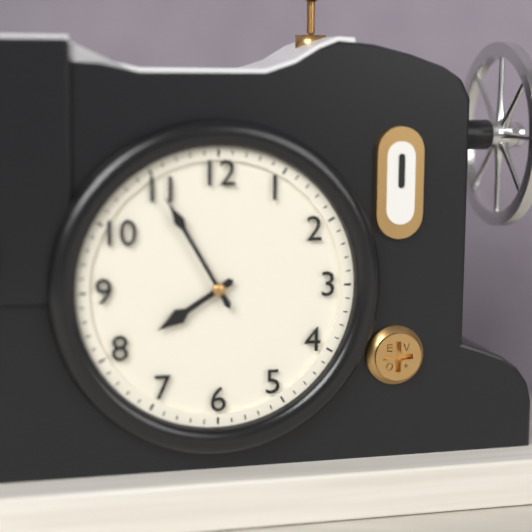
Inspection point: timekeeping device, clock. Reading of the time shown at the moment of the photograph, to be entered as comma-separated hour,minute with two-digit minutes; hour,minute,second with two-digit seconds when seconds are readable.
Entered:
7,55
